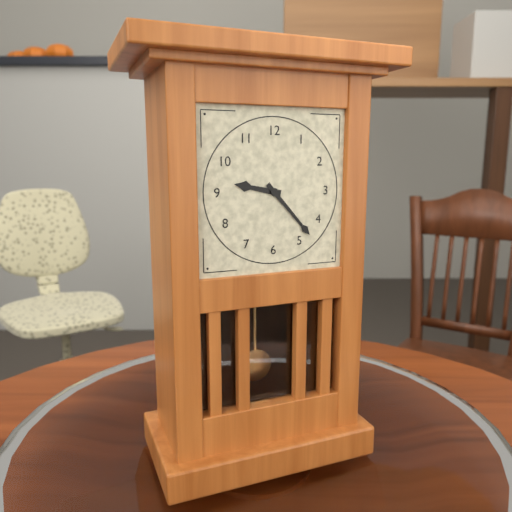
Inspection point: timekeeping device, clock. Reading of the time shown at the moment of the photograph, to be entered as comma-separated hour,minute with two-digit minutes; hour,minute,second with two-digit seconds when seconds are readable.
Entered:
9,23
